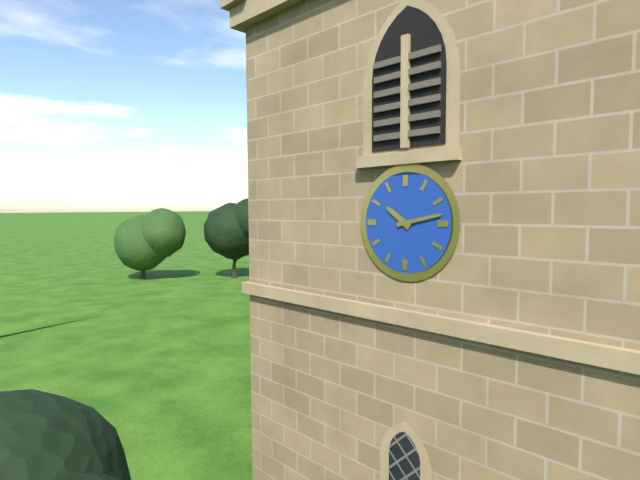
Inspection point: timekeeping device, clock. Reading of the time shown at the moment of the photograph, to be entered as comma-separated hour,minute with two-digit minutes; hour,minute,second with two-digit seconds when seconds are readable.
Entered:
10,13
